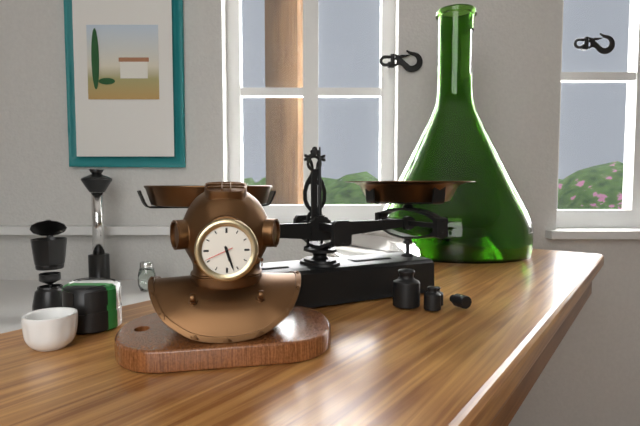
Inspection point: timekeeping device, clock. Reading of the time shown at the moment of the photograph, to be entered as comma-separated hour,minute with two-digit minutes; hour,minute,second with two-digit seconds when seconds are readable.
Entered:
5,27
